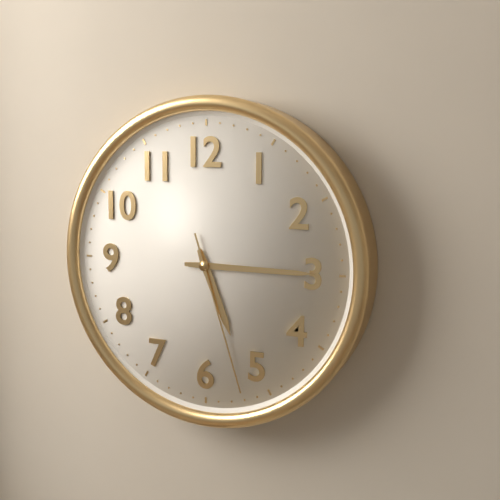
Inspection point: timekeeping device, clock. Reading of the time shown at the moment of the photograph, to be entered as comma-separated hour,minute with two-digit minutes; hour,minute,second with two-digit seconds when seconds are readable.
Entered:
5,15,27
